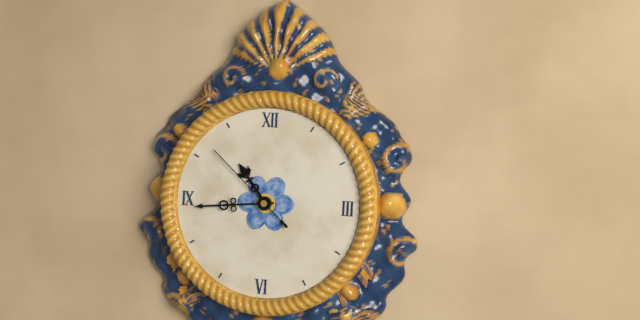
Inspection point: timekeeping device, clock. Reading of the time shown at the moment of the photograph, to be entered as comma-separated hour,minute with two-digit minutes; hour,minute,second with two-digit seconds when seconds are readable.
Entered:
10,44,52
